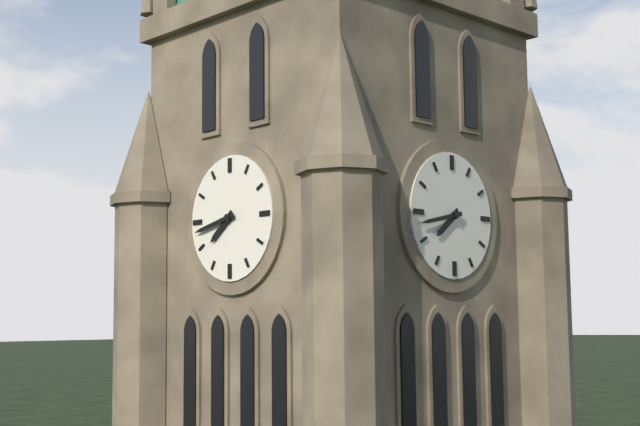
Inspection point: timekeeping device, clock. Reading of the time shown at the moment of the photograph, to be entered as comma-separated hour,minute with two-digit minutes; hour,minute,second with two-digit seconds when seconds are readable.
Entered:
7,43
